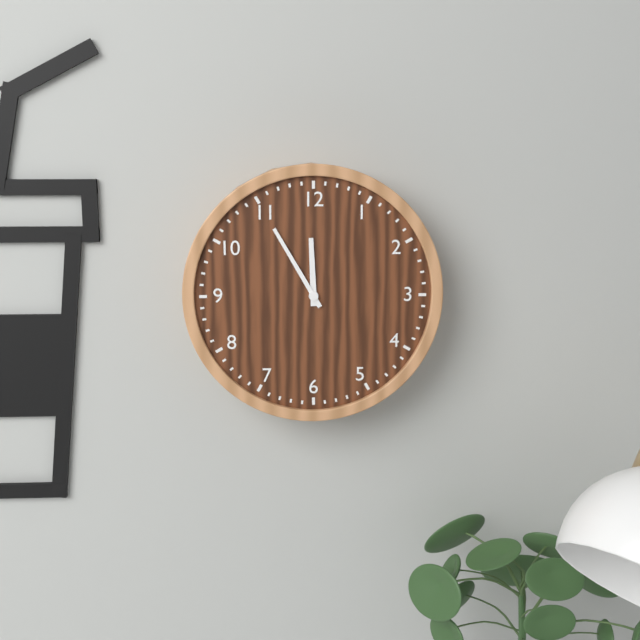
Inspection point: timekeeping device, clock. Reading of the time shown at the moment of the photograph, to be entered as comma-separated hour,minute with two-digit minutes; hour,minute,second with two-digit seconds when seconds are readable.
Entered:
11,55
